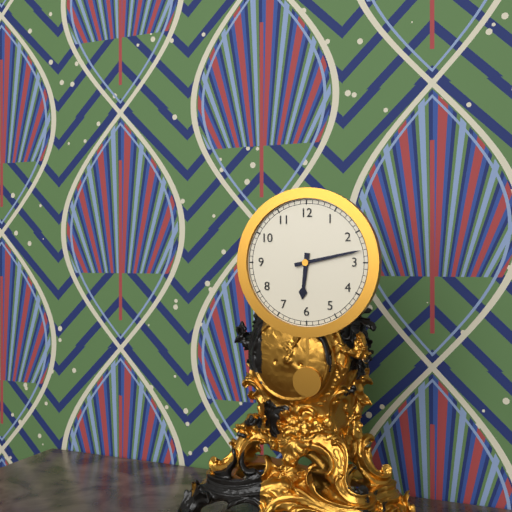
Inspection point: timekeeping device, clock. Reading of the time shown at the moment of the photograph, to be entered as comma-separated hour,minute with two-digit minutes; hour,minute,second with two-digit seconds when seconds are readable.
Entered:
6,13
